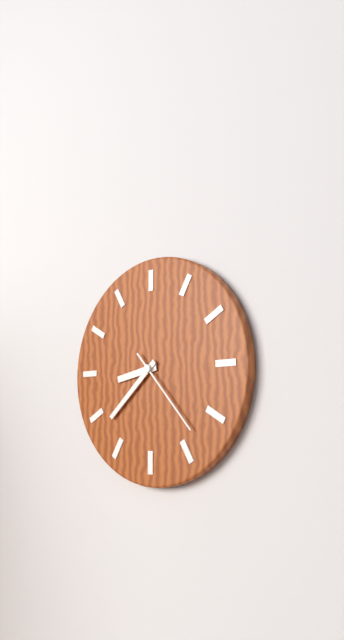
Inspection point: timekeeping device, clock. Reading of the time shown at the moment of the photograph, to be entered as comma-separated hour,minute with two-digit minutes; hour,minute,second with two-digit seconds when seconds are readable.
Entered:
8,38,23
